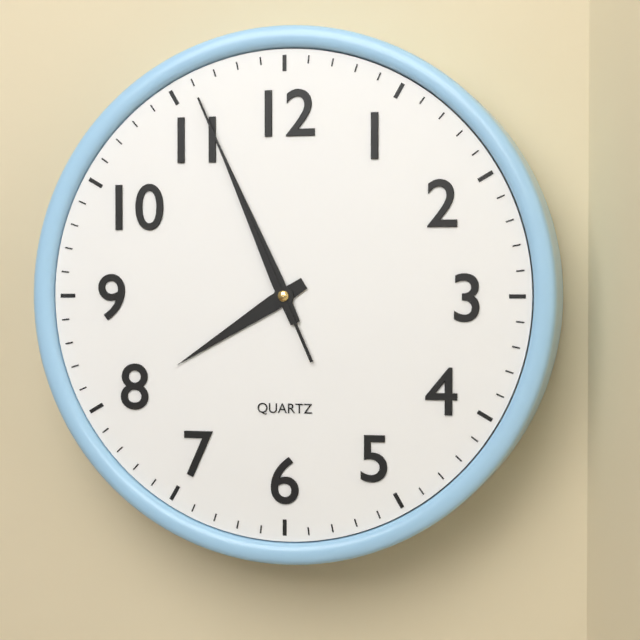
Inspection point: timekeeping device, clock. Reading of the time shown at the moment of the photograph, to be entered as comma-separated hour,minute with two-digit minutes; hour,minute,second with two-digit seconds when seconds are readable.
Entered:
7,56,56
